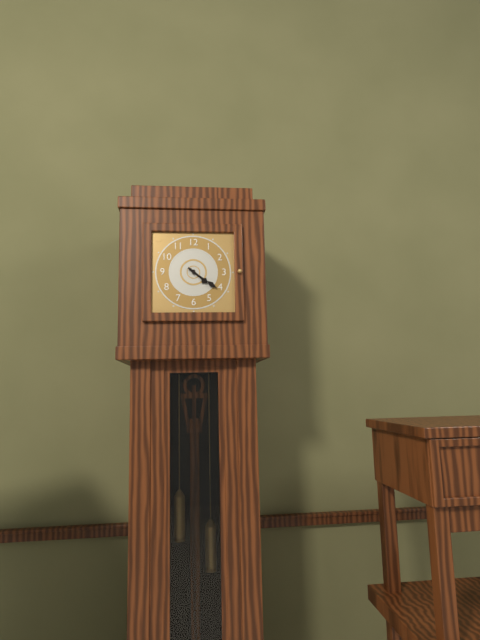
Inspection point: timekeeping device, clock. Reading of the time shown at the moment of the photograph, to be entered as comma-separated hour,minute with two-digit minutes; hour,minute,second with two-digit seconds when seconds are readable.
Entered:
4,21
